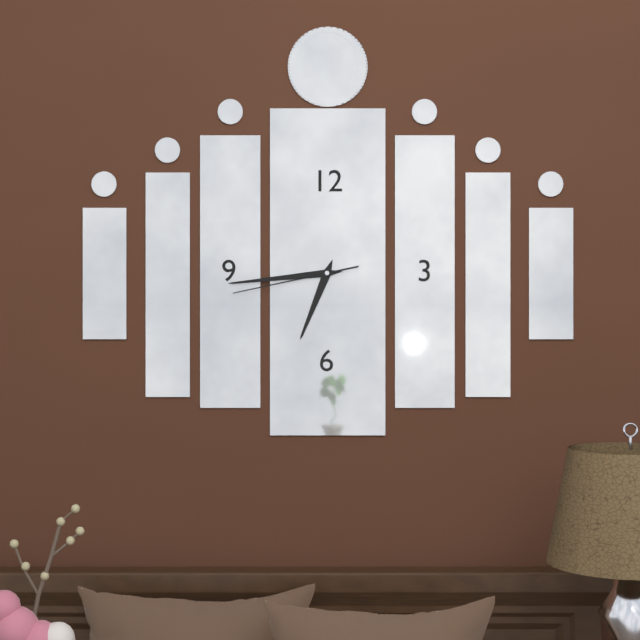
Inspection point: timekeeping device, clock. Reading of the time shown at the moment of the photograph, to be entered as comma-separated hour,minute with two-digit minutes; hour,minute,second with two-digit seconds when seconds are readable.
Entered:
6,44,43
